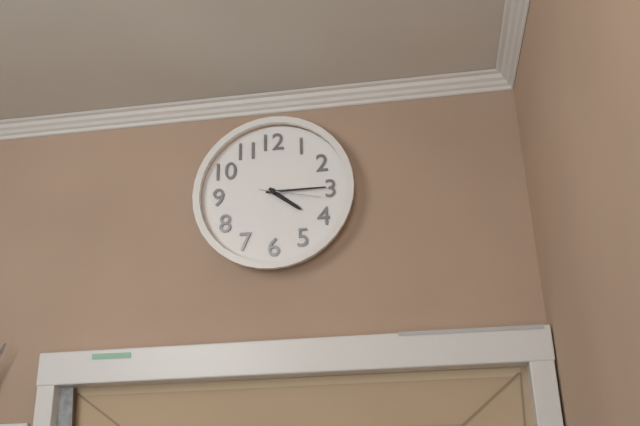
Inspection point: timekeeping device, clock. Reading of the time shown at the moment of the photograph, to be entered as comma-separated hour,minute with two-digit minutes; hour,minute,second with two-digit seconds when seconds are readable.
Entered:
4,15,17
